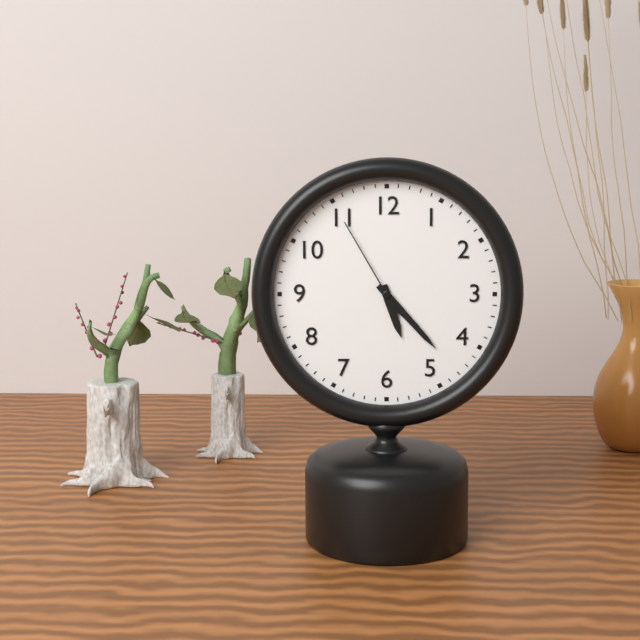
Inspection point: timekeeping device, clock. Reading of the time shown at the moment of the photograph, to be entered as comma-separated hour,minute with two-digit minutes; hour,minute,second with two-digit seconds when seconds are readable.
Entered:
5,23,55
